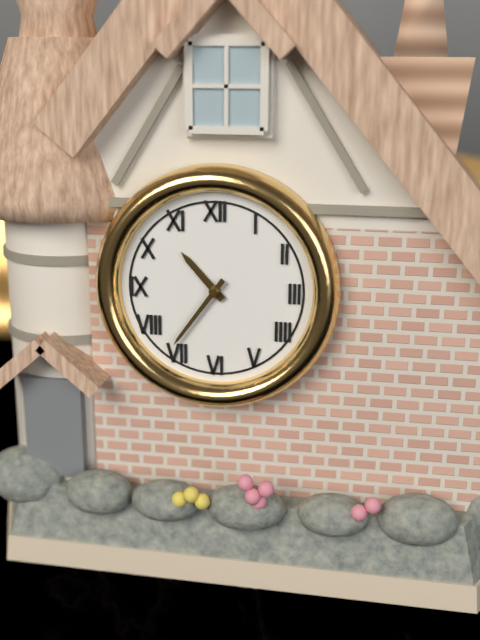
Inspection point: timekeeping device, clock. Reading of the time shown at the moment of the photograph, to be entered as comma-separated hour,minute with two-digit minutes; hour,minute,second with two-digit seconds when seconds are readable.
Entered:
10,36
